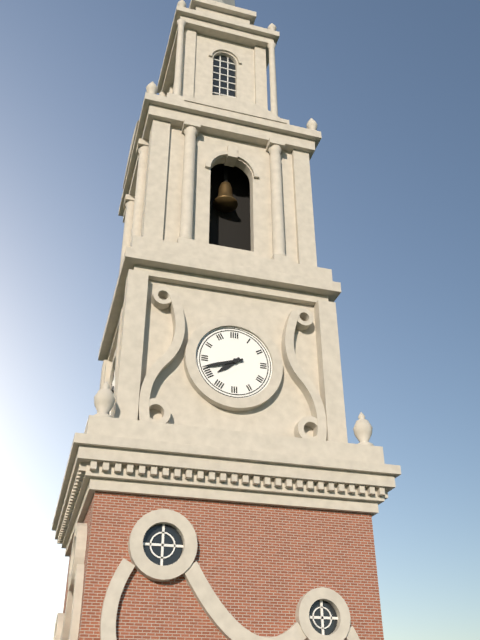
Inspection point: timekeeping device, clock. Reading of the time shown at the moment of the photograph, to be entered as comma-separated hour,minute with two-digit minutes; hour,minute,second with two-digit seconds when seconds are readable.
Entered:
7,42
